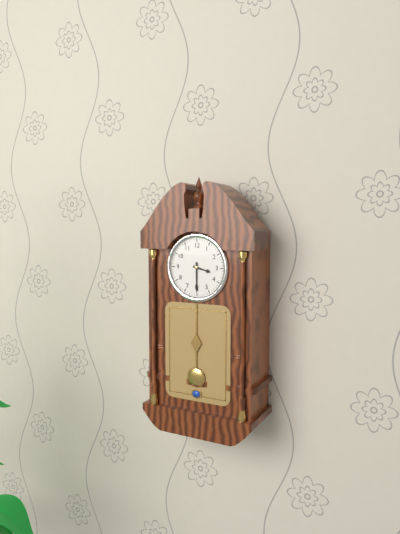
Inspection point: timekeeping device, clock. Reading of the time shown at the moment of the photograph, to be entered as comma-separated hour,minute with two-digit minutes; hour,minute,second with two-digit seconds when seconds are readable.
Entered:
3,30
